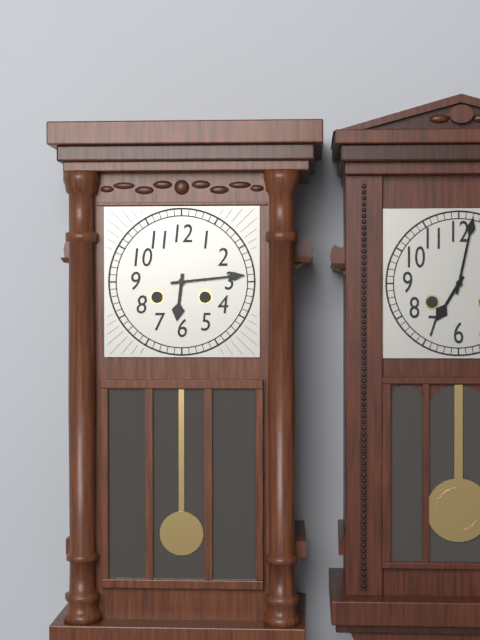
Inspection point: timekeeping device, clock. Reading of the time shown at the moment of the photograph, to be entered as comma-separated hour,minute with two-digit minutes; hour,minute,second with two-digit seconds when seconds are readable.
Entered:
6,14
